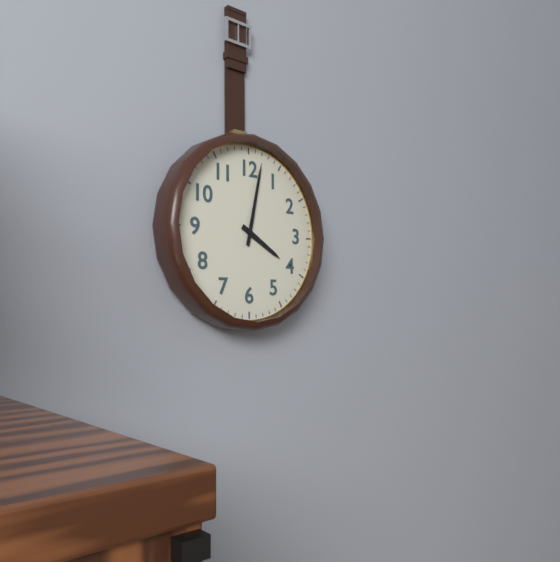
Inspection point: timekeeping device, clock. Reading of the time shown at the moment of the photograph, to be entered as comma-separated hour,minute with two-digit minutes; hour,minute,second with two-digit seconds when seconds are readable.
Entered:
4,02
